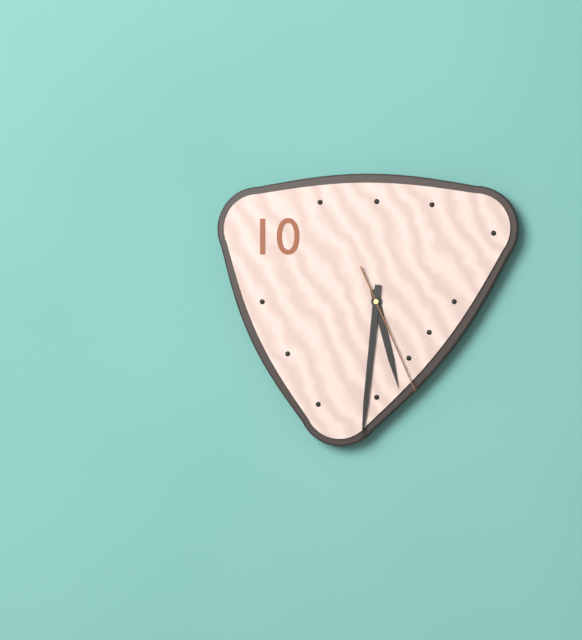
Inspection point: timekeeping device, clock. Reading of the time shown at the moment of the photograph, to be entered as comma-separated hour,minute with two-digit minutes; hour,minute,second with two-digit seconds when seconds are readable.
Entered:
5,31,26
